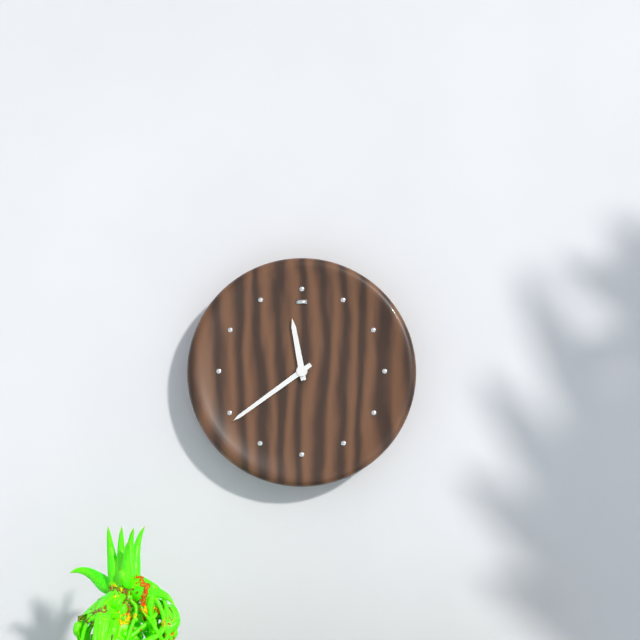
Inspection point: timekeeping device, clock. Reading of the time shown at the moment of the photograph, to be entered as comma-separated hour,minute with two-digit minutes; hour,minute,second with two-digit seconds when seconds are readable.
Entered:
11,39
